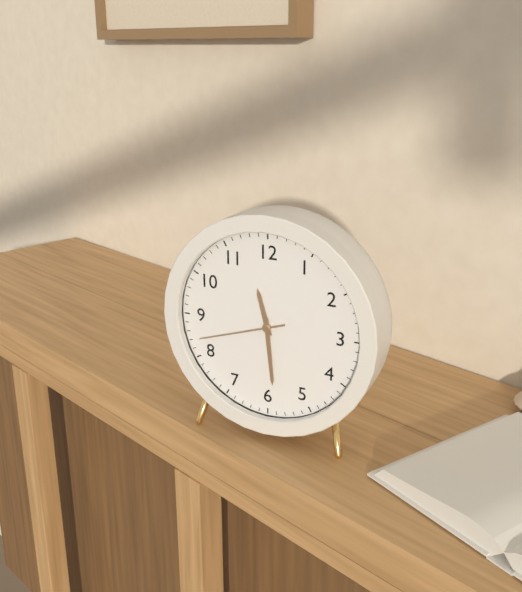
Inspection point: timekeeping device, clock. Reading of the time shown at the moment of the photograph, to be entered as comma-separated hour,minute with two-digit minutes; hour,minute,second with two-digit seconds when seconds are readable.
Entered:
11,29,42
